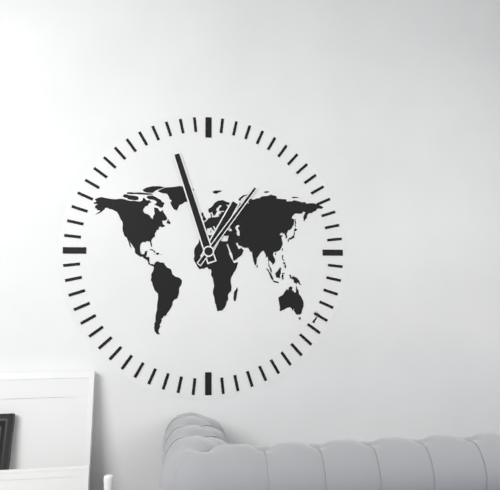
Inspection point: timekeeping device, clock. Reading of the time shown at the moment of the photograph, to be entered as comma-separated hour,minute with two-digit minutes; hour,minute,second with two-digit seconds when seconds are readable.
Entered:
12,57,06
